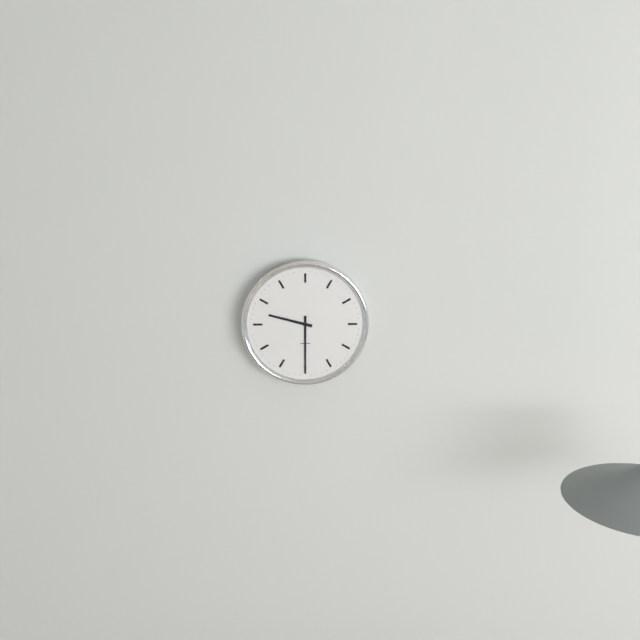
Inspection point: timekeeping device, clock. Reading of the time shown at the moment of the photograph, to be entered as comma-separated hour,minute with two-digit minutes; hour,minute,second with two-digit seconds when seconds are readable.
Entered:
9,30
